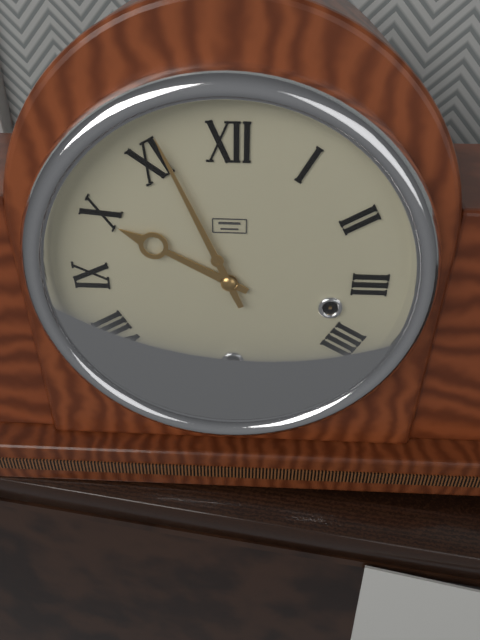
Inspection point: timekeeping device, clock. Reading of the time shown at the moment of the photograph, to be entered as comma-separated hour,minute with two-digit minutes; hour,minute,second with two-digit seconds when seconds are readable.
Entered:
9,56
